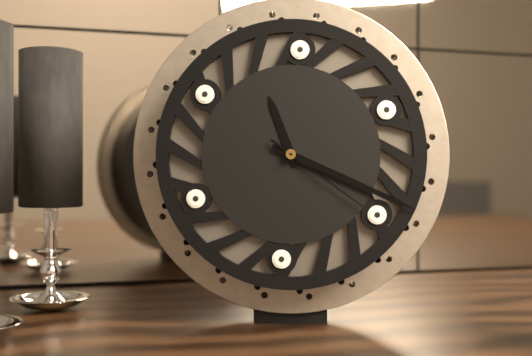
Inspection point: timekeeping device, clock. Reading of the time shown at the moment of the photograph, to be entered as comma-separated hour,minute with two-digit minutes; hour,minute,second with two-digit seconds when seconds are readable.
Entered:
11,19,21
